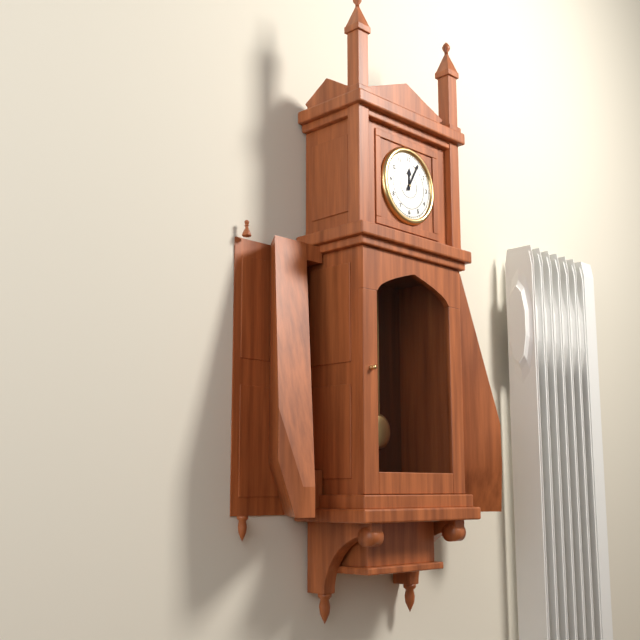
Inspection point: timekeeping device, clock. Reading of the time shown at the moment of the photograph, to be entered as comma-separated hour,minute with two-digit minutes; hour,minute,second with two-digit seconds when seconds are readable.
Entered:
12,05
